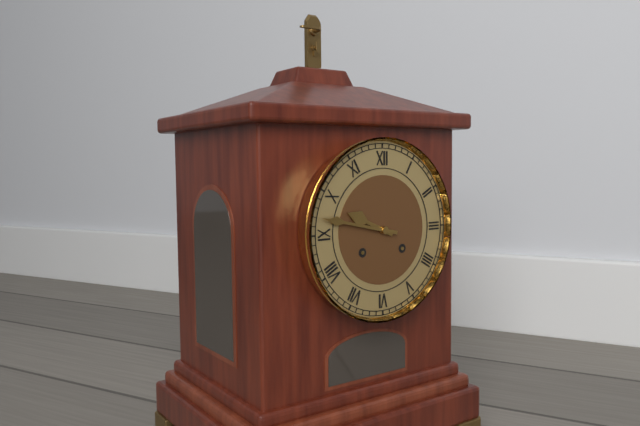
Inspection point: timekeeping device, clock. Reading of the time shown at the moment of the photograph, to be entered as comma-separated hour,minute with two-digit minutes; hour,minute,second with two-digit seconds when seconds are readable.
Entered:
9,47
